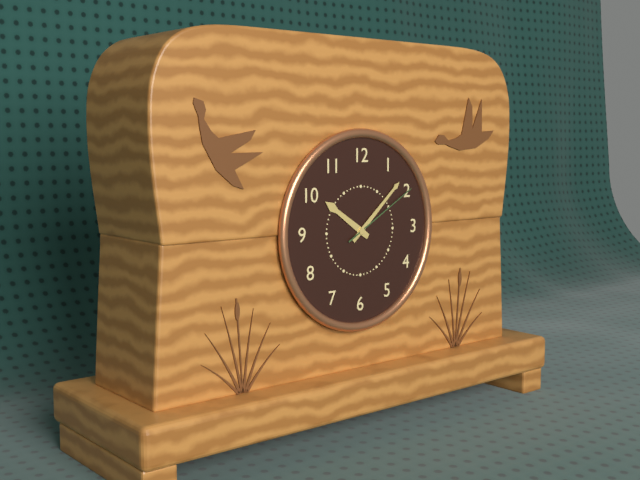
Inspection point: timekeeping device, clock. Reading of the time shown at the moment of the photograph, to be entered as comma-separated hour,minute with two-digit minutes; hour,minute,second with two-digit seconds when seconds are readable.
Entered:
10,08,10
